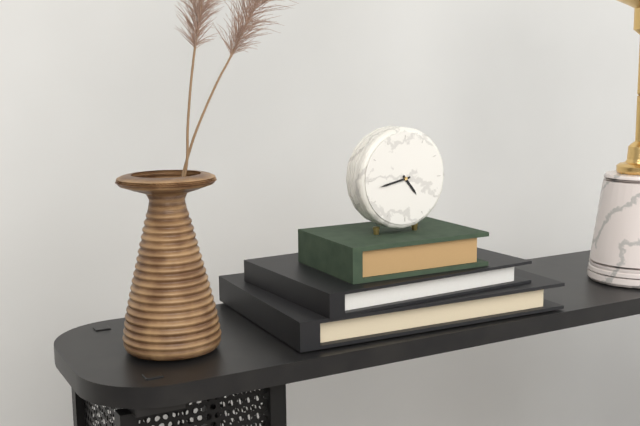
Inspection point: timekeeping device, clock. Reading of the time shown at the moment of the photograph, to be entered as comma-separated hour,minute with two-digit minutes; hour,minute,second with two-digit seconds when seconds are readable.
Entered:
4,43
